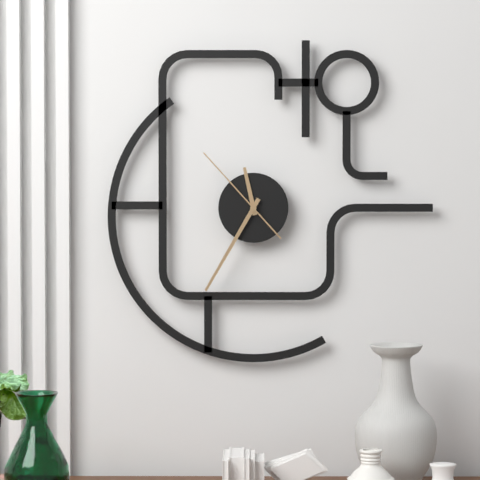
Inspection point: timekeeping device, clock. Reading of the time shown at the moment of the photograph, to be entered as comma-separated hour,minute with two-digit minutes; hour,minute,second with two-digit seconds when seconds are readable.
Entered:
11,35,53
